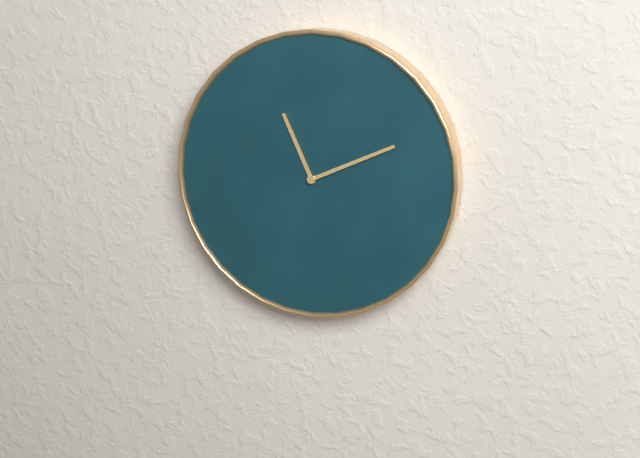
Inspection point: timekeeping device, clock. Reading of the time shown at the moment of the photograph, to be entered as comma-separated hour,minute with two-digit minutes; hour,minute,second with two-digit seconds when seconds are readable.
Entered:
11,11
